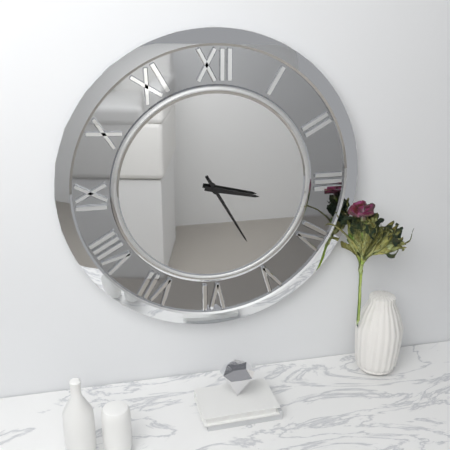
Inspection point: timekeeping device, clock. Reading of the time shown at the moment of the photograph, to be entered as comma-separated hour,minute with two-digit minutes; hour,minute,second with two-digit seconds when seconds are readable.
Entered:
3,25
